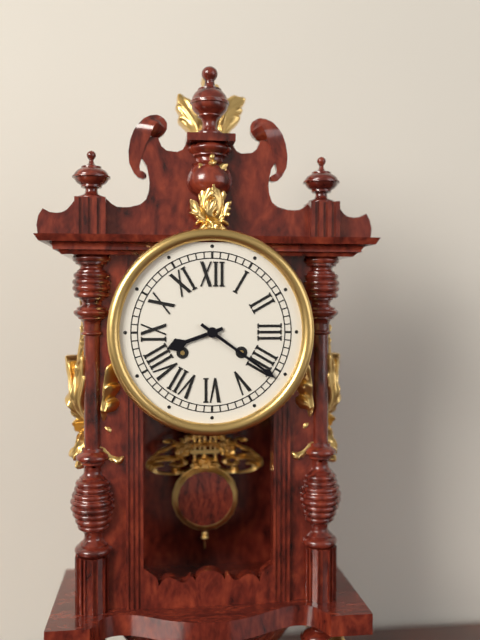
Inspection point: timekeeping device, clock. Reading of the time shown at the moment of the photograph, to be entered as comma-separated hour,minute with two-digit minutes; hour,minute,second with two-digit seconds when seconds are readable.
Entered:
8,21
